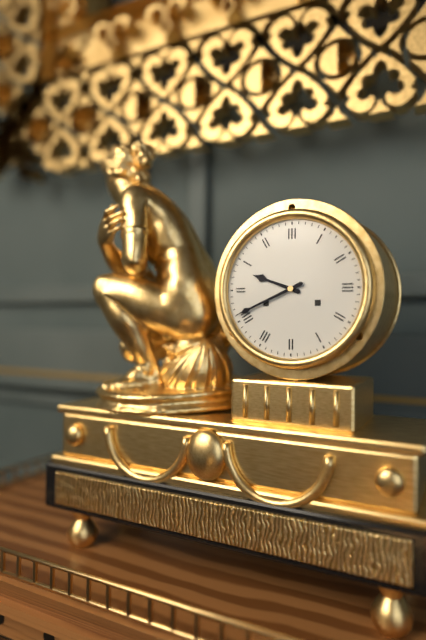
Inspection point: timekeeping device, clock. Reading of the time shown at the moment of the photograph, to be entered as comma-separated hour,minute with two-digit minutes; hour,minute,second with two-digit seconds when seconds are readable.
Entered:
9,41
